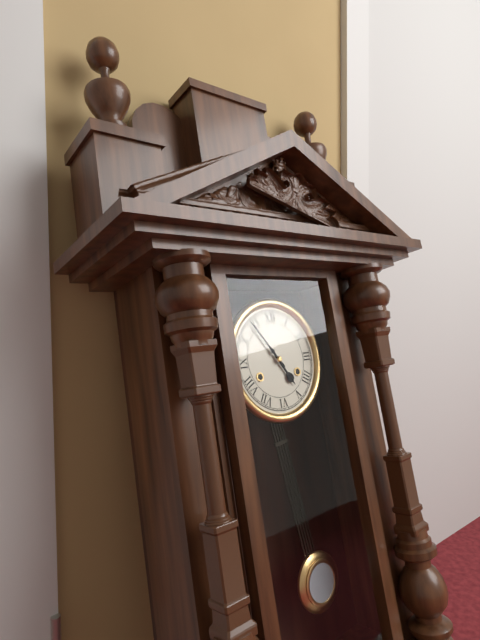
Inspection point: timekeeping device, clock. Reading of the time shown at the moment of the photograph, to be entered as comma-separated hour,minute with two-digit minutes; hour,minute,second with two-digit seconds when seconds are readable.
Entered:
4,54
